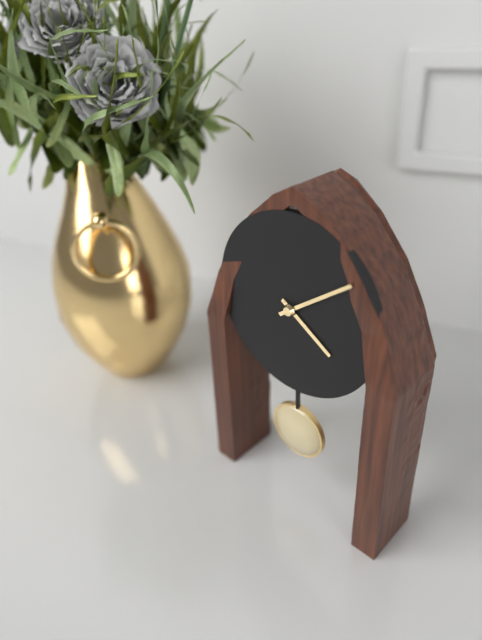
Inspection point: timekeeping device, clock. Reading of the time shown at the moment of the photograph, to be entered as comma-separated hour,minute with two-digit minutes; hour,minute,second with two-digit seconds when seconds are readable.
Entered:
4,09
